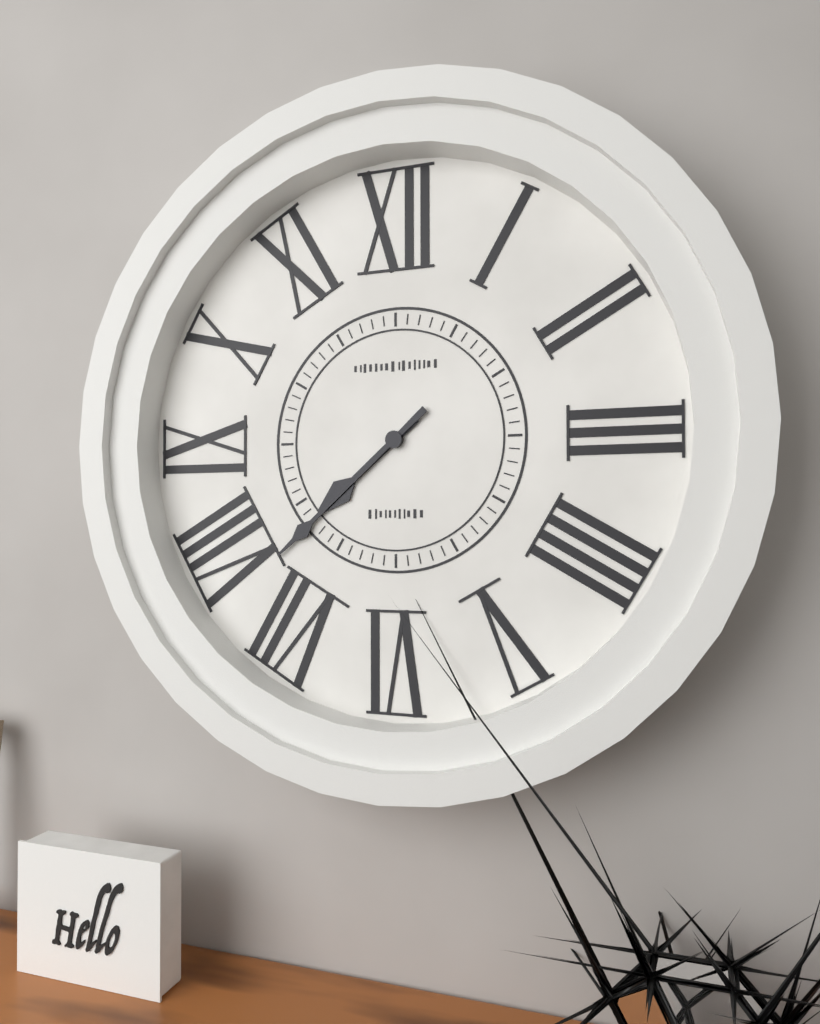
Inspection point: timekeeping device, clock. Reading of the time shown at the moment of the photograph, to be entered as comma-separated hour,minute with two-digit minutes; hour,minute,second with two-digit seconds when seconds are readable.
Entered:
7,38
